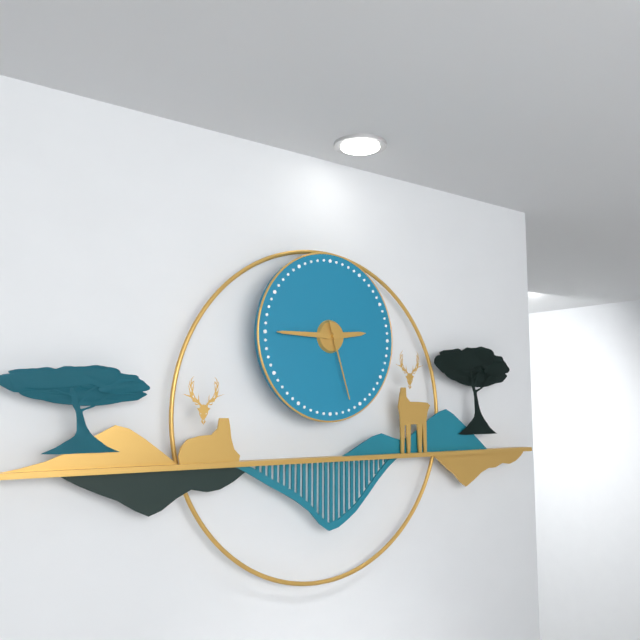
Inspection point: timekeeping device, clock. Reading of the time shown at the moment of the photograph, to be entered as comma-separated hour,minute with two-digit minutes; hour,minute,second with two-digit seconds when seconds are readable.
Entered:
2,45,27
